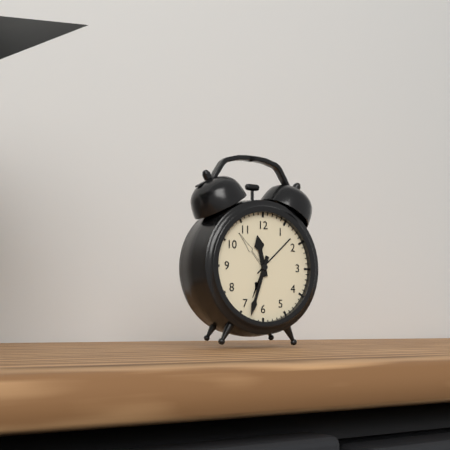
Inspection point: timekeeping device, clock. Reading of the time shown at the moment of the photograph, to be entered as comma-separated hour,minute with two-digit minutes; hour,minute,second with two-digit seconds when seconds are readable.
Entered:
11,33
